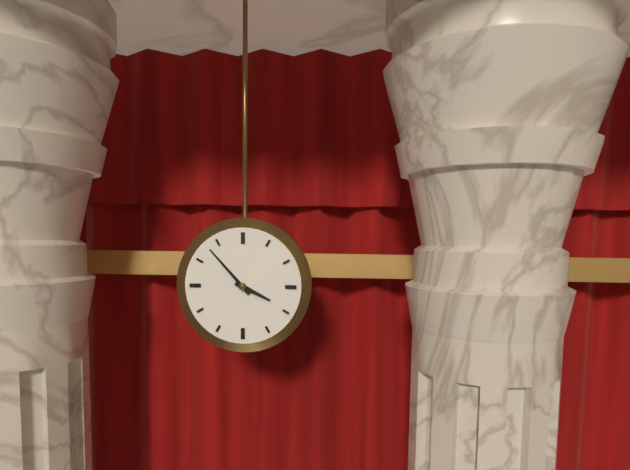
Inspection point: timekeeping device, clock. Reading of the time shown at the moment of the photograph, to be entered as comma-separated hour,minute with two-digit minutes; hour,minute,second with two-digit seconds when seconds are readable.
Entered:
3,53
